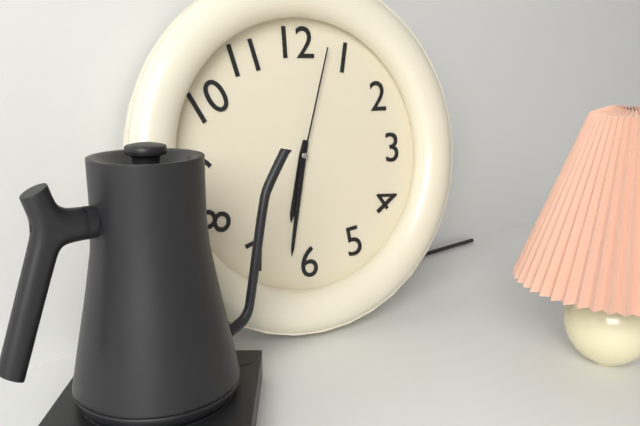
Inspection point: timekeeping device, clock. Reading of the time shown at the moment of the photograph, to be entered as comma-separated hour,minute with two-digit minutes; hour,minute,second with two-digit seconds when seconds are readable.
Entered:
6,32,03
